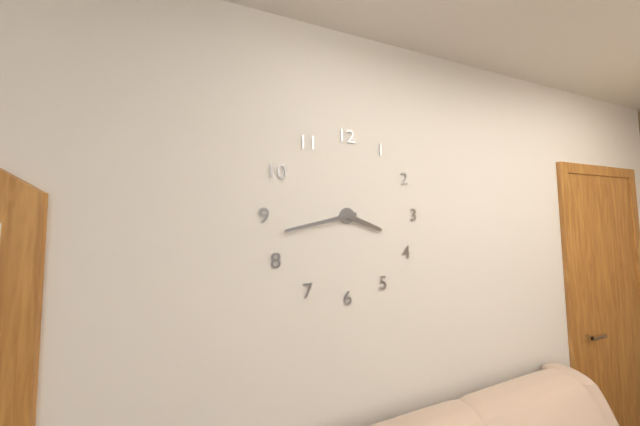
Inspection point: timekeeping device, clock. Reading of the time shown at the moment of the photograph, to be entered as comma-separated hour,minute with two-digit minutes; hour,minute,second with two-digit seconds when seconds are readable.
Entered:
3,43
